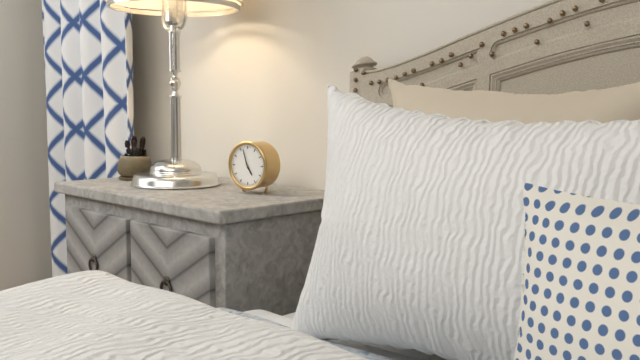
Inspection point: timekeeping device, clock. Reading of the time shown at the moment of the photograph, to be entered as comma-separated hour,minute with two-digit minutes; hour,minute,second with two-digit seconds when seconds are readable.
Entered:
4,57
